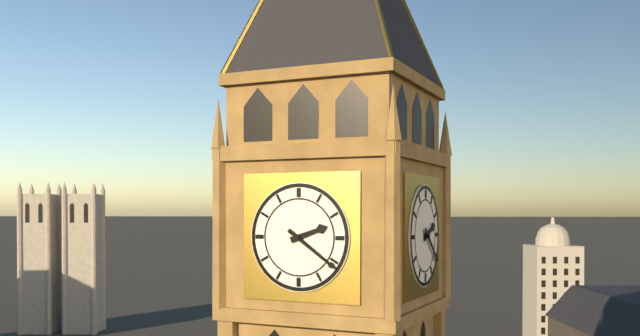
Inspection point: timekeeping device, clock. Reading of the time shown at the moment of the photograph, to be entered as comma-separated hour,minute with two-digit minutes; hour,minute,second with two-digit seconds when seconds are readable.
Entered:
2,21
